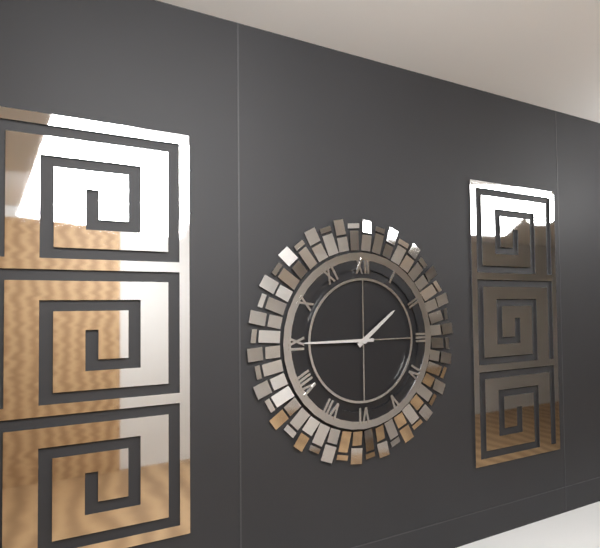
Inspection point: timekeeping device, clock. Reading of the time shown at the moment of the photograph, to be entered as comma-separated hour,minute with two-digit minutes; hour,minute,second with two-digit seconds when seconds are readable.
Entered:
1,45
